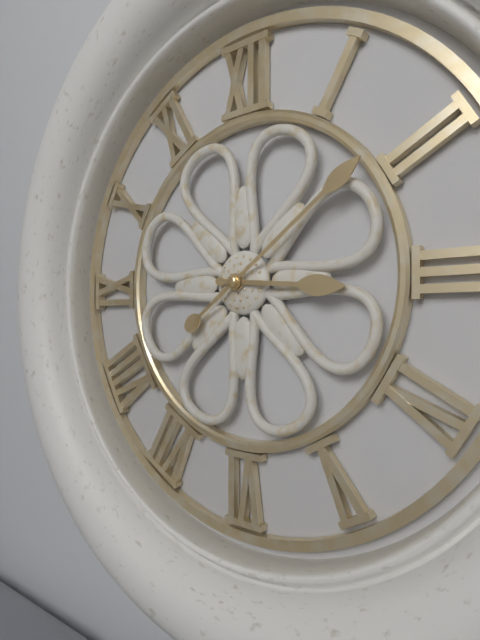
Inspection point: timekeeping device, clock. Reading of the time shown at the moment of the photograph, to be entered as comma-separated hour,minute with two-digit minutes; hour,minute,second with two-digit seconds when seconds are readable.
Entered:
3,09
